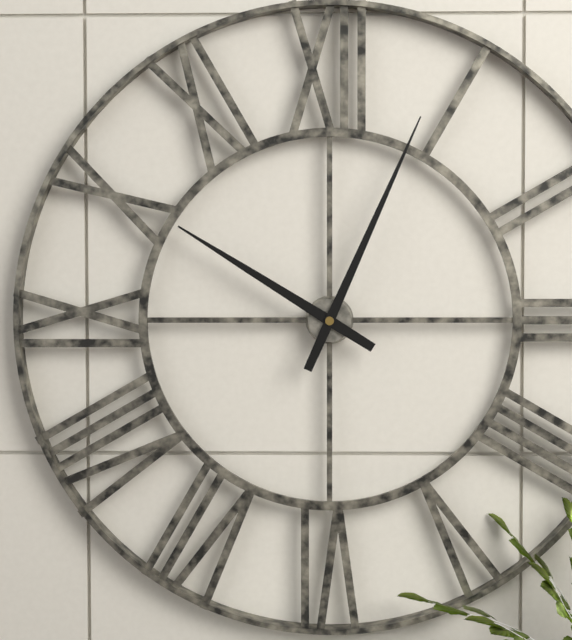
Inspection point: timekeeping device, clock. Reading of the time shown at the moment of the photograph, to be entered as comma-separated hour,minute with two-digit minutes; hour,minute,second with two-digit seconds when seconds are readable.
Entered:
10,04
